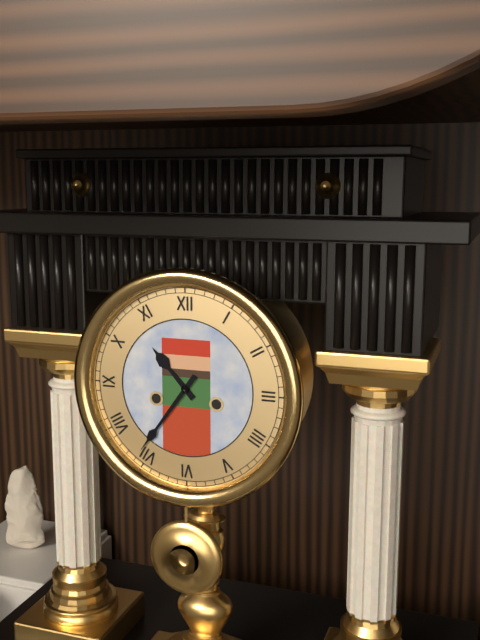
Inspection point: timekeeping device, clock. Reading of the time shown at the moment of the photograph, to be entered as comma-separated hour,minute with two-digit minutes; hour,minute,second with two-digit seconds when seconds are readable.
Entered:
10,36
